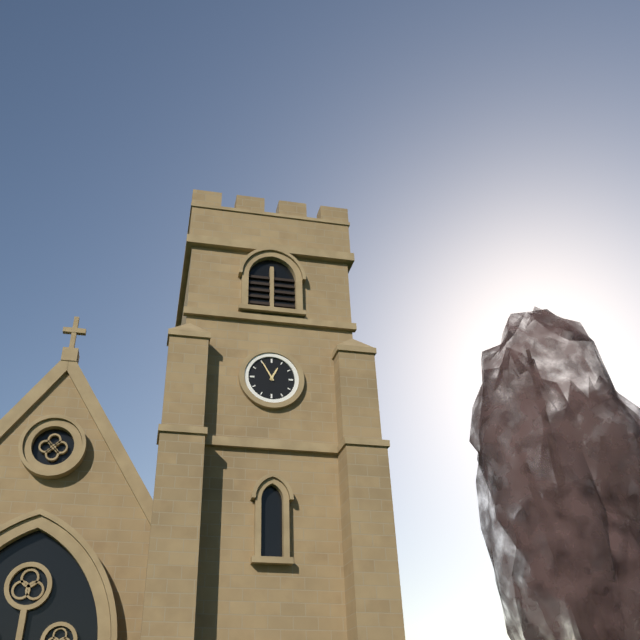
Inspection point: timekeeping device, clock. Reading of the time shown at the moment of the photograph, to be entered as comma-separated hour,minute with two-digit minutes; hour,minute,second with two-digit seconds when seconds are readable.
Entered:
12,55
